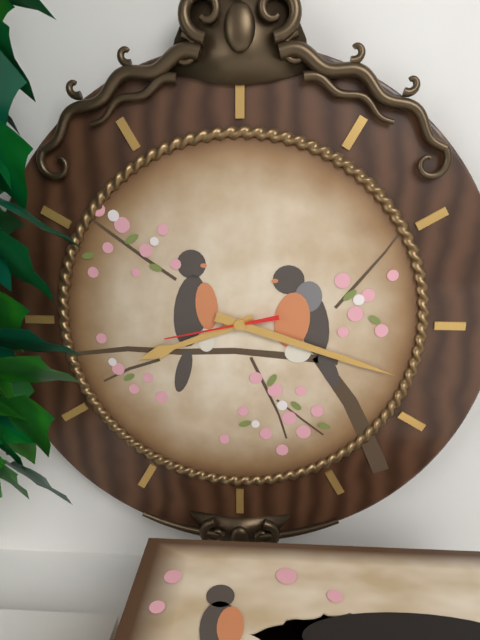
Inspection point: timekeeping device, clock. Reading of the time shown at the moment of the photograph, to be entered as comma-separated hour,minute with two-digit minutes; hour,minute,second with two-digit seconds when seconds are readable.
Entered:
8,18,43
